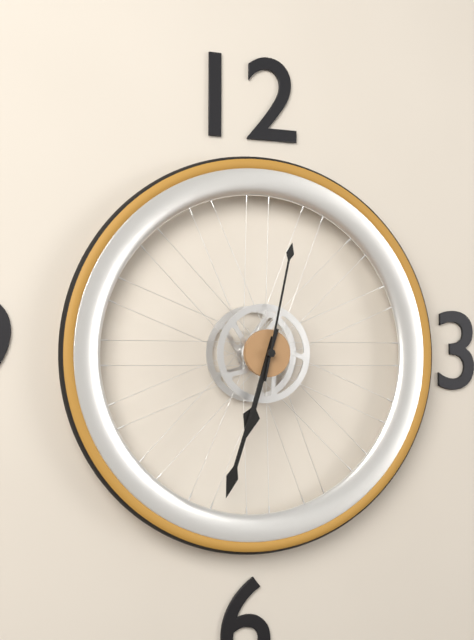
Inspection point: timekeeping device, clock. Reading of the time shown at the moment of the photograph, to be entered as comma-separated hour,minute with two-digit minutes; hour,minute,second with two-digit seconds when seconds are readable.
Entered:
6,33,02
